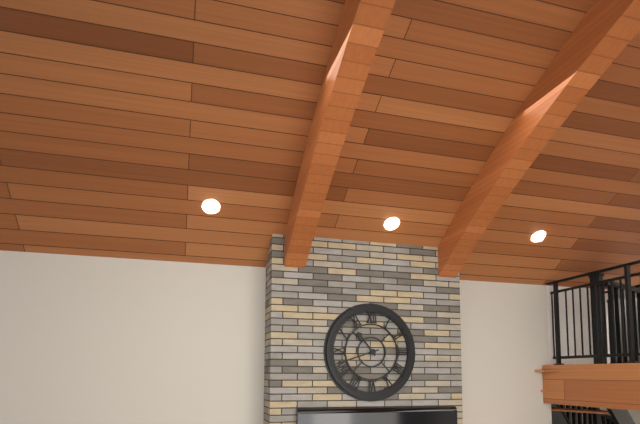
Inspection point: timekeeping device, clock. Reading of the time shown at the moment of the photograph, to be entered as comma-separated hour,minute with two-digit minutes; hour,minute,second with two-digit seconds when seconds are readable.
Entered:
10,42
